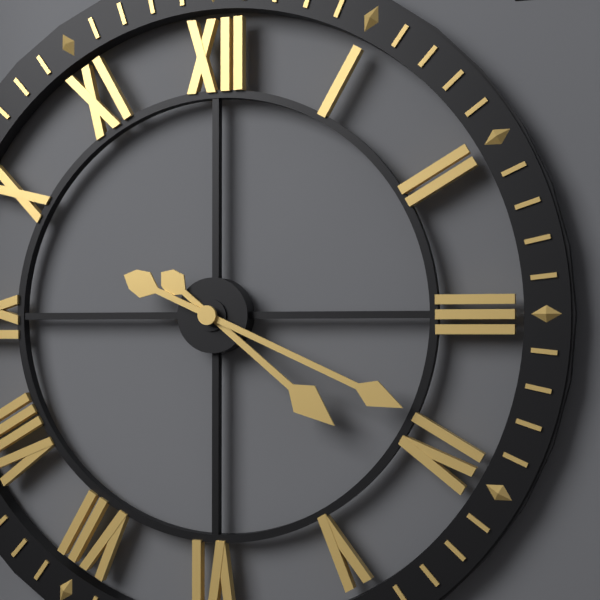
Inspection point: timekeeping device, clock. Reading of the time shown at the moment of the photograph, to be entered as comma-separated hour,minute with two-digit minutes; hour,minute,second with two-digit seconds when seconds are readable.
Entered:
4,19
